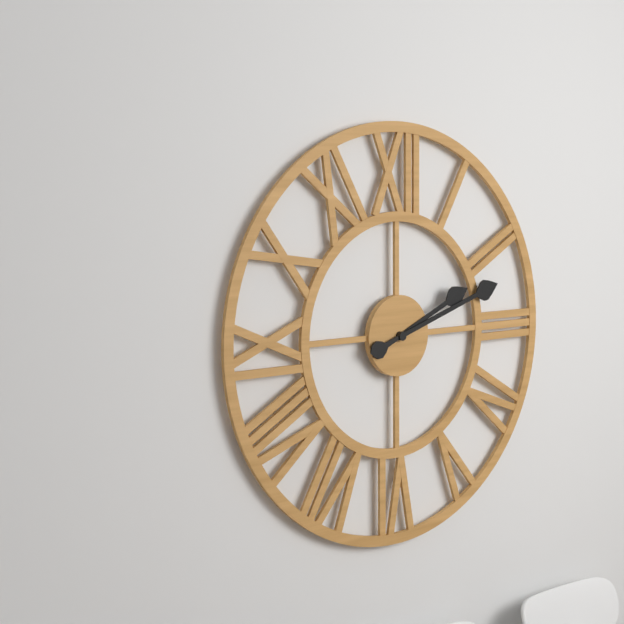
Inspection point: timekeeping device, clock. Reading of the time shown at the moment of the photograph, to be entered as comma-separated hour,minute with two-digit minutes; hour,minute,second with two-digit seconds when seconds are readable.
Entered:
2,12
